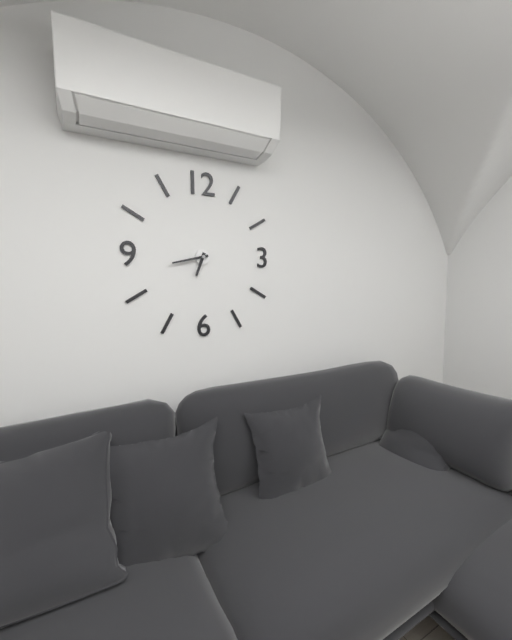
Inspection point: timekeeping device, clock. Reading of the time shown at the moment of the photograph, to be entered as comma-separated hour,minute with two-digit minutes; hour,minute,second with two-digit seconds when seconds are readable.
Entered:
6,43
